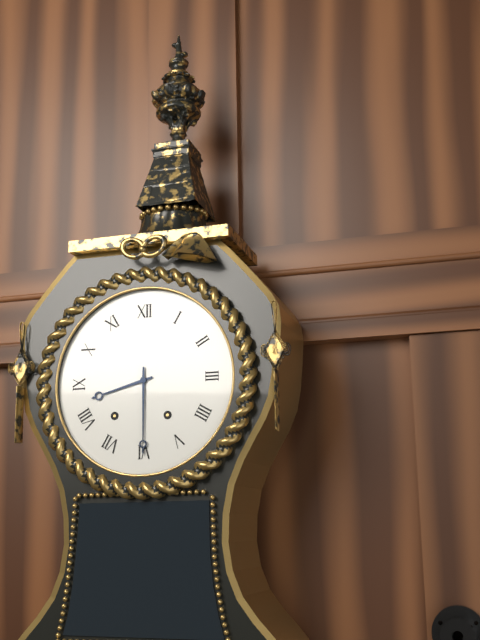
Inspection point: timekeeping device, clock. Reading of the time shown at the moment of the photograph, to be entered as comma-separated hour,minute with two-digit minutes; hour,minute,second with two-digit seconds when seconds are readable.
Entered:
8,30
